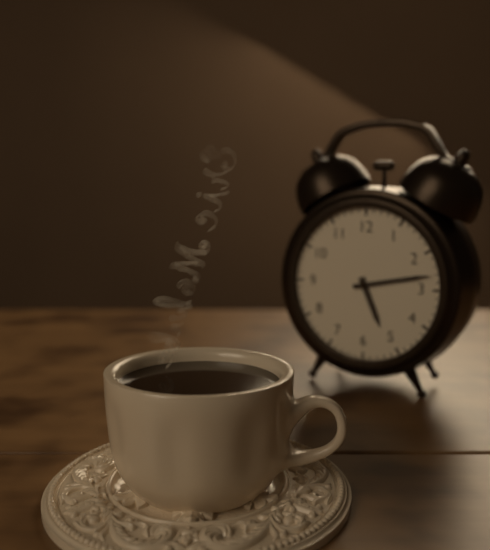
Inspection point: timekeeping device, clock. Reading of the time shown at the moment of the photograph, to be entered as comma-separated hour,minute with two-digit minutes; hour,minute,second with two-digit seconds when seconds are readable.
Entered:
5,13
